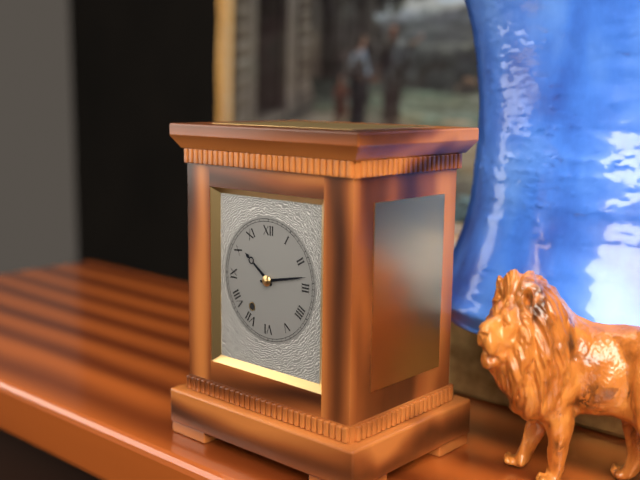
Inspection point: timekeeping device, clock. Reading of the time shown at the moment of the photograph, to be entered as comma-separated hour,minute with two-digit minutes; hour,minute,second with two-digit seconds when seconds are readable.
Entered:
10,13
